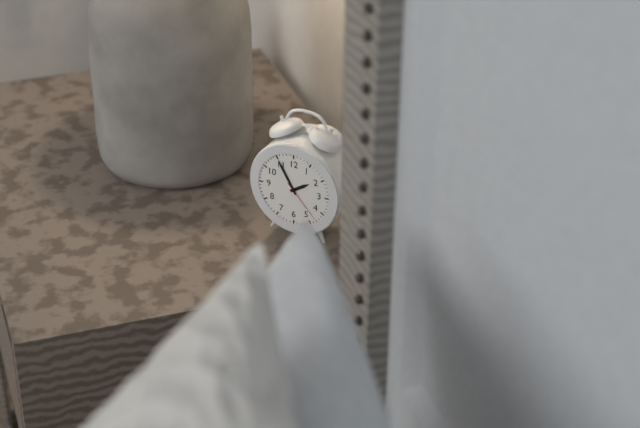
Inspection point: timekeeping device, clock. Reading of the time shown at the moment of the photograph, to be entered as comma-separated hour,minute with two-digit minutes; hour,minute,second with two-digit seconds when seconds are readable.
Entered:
1,55
